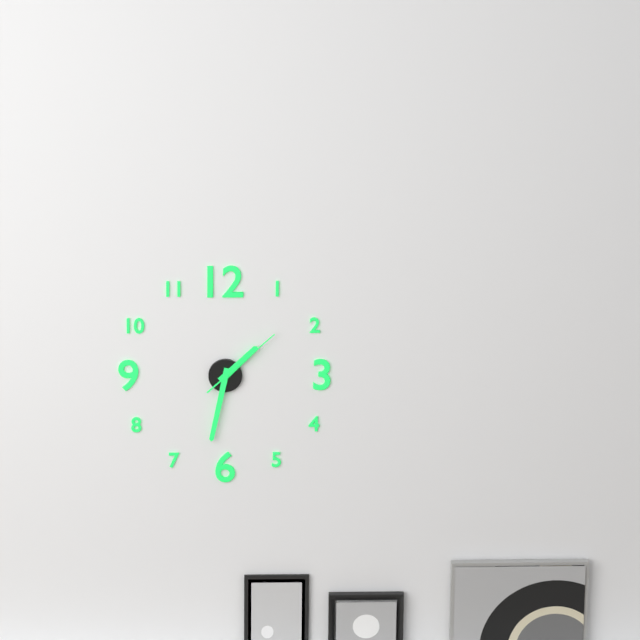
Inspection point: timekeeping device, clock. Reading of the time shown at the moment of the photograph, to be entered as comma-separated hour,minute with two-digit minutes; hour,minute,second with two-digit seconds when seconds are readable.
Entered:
1,32,08
